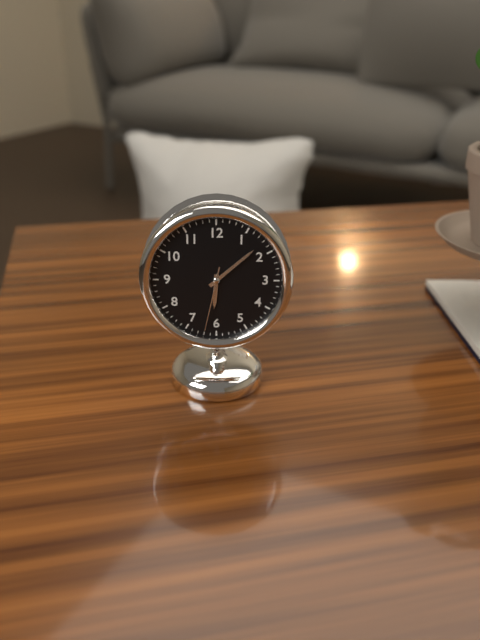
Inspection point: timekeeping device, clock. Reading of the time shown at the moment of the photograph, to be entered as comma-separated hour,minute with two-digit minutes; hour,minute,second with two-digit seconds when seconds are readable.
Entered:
6,08,32
